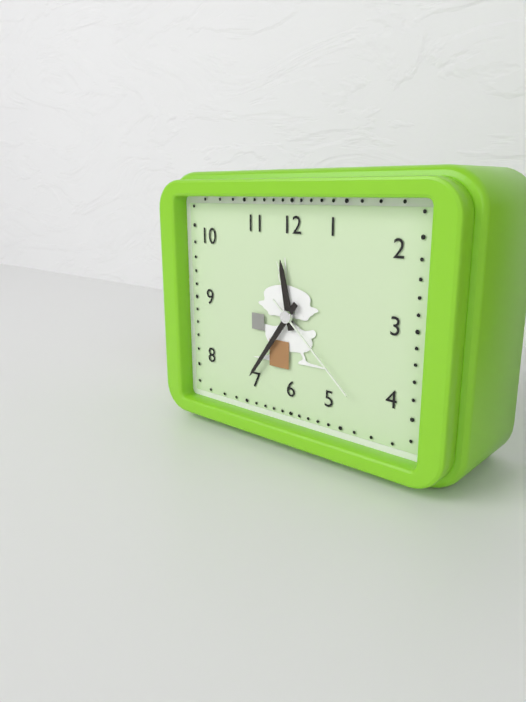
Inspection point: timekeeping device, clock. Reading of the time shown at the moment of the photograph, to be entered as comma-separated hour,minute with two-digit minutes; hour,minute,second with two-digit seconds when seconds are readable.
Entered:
11,36,22
